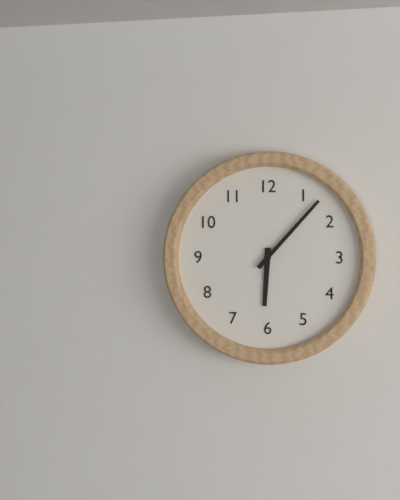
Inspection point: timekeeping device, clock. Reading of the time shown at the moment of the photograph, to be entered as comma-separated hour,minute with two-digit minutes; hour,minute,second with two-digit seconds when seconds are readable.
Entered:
6,07
